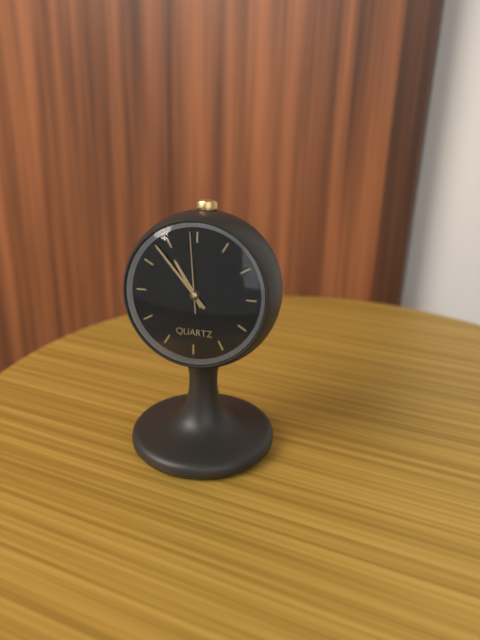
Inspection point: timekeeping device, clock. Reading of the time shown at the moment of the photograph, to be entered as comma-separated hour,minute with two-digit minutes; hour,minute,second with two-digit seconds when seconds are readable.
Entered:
10,53,59
